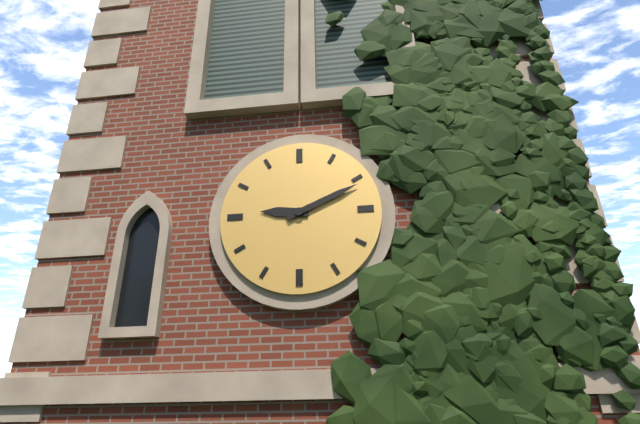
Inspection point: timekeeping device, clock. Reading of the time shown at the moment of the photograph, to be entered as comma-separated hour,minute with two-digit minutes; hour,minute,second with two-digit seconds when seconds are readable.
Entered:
9,11
